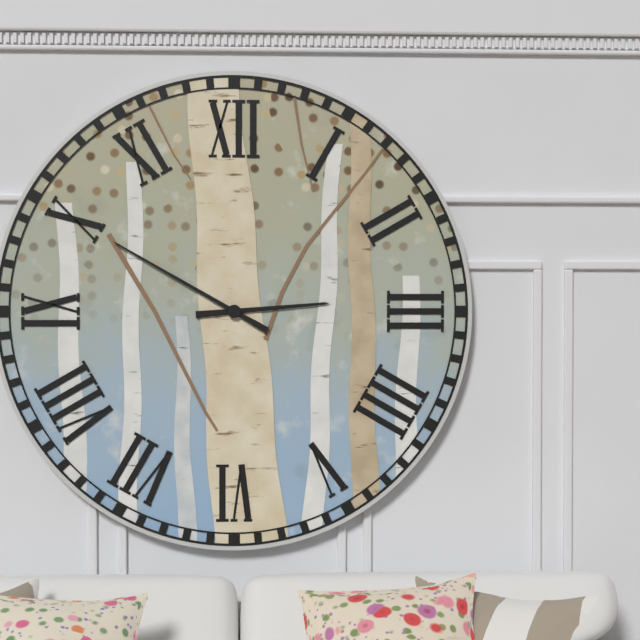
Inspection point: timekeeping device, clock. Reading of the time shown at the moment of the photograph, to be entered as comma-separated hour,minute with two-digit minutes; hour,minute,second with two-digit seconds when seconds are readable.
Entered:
2,50
